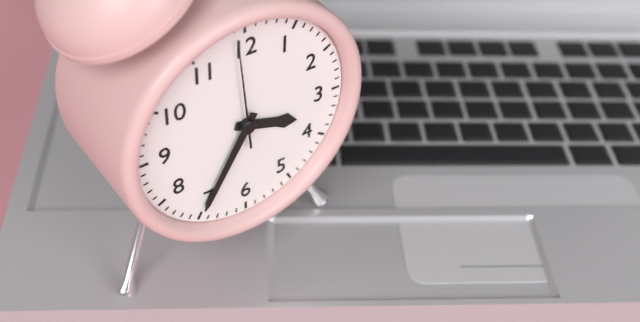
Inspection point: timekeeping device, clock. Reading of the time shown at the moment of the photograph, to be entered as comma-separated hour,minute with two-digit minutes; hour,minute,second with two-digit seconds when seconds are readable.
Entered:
3,35,59
